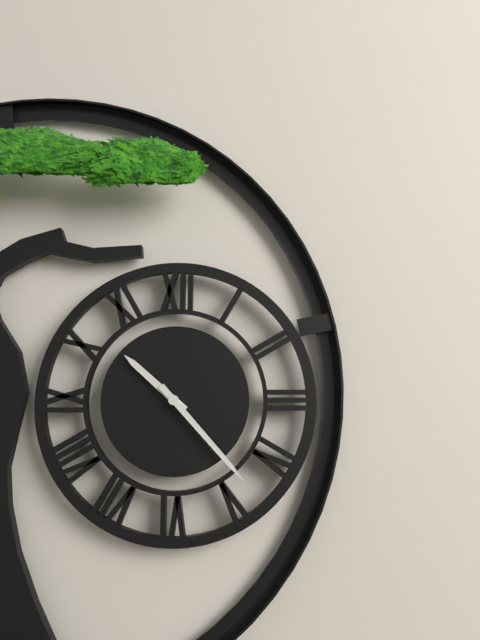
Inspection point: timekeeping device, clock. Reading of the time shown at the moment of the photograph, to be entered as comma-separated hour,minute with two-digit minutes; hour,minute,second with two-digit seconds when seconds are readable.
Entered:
10,23
